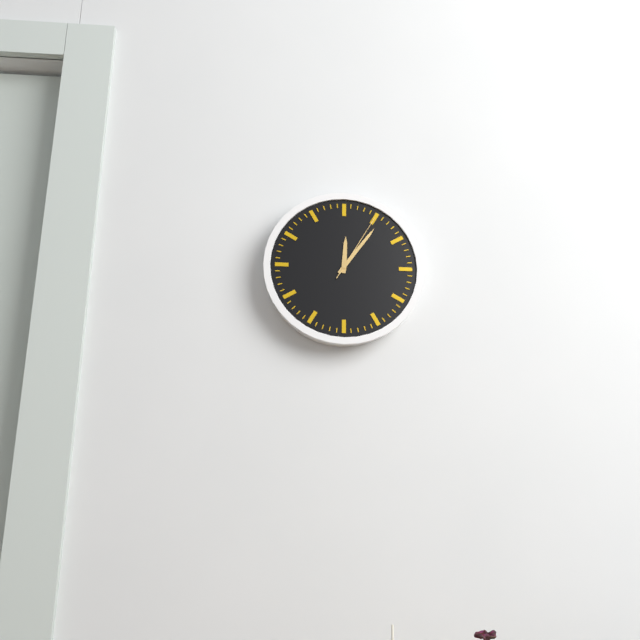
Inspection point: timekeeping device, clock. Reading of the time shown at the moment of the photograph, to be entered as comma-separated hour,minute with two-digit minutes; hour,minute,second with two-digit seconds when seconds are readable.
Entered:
12,06,05
